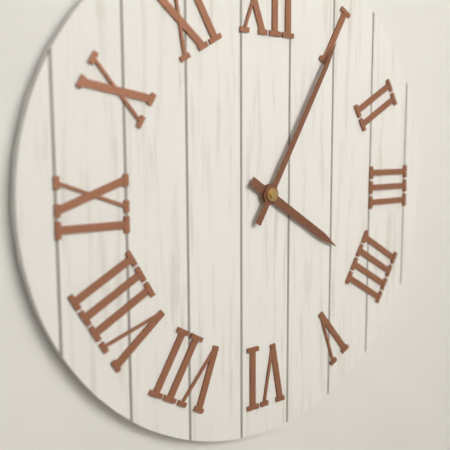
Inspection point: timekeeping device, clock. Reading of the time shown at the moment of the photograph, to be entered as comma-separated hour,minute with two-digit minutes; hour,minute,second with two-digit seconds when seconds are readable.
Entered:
4,05
